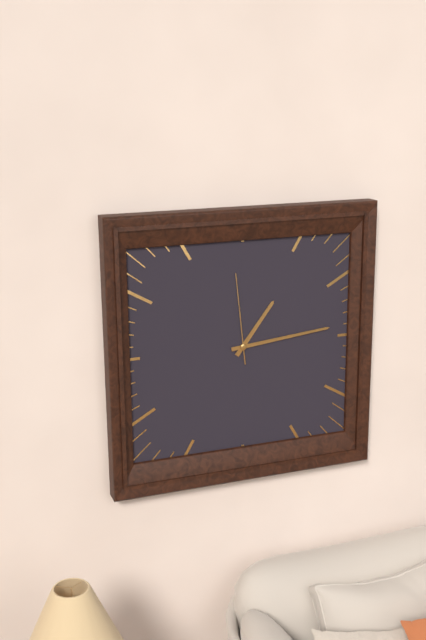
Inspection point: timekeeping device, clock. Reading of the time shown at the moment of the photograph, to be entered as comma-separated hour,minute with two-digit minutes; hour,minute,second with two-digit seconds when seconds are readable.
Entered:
1,14,59
